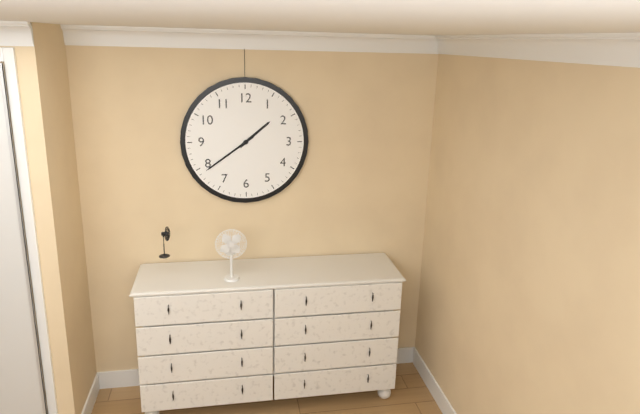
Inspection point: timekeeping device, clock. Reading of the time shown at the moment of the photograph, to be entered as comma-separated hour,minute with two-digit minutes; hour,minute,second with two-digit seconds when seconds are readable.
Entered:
1,39
